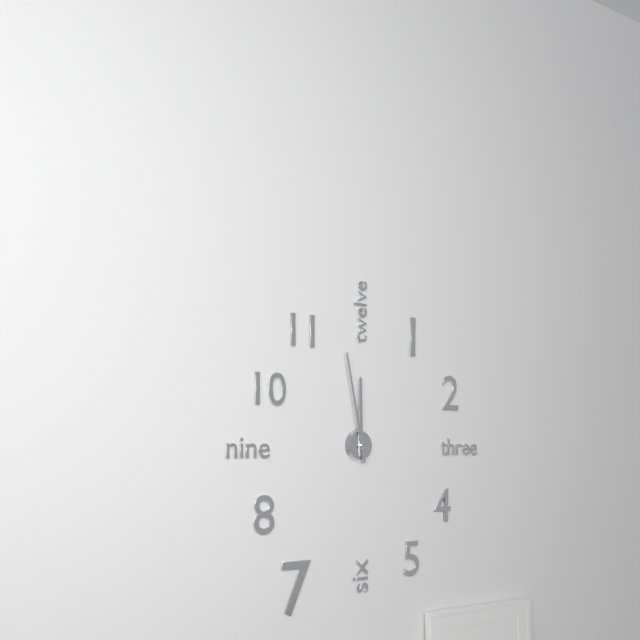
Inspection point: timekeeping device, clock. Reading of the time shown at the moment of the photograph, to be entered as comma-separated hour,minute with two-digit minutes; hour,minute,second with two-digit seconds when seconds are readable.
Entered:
11,58
